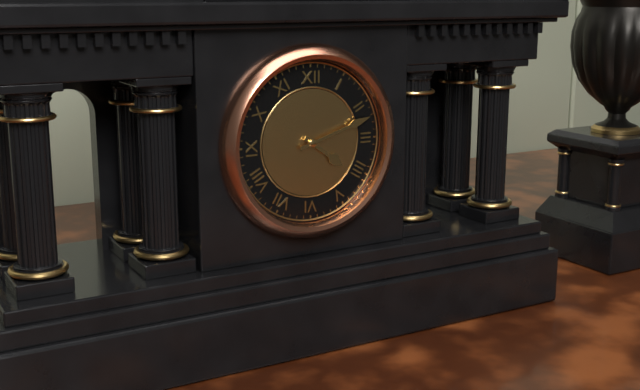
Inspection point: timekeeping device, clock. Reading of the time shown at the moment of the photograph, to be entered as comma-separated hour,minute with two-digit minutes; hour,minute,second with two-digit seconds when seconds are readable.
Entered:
4,12
